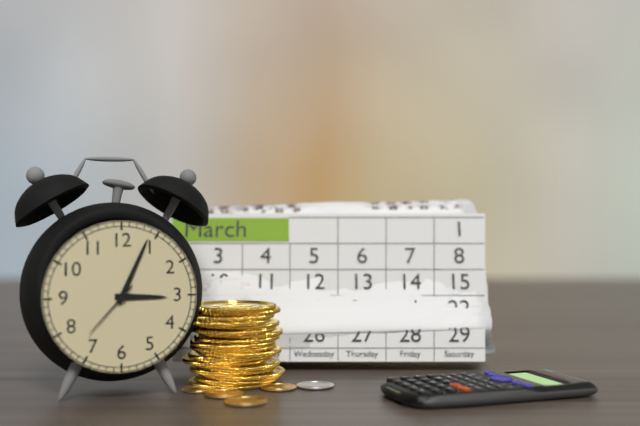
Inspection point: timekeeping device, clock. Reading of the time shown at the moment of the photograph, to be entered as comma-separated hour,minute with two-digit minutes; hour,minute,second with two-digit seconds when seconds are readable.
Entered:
3,04,37
